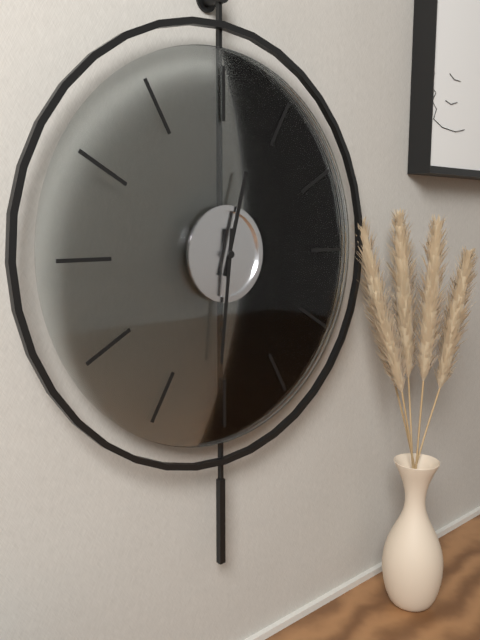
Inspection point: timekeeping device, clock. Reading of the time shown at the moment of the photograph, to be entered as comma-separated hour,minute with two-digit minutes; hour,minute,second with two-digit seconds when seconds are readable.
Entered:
12,31
